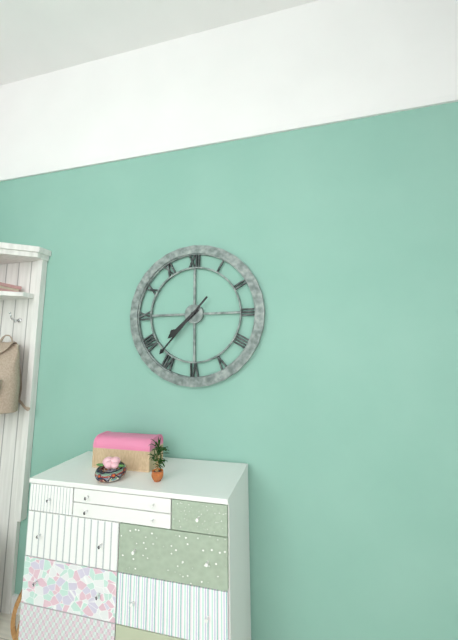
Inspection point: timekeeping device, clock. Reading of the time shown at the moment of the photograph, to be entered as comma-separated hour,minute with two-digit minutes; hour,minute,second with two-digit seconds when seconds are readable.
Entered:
7,37
